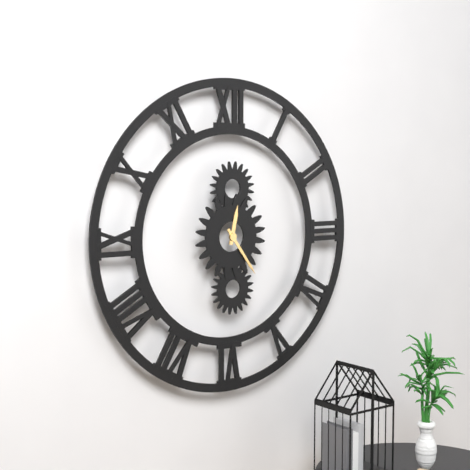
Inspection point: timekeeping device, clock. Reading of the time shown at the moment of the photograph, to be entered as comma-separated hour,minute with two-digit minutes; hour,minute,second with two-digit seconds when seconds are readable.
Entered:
12,24
